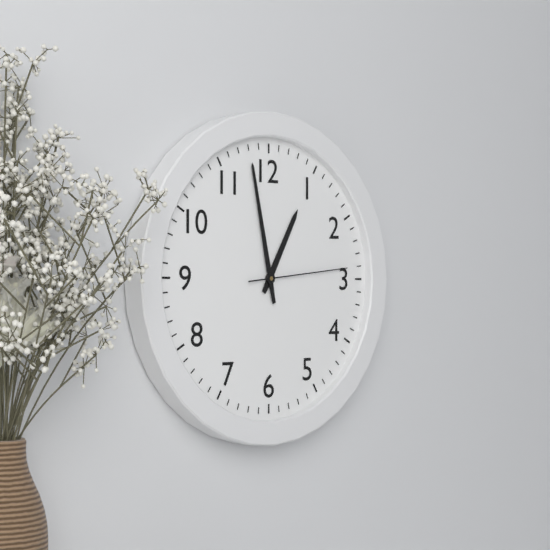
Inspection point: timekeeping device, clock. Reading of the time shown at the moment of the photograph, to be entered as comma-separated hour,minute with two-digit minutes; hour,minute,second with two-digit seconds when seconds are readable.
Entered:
12,58,14
